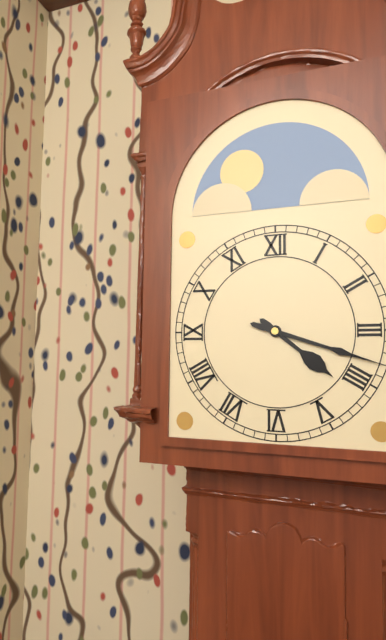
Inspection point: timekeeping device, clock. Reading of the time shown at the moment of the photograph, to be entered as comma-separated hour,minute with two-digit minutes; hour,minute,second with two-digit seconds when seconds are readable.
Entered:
4,18
